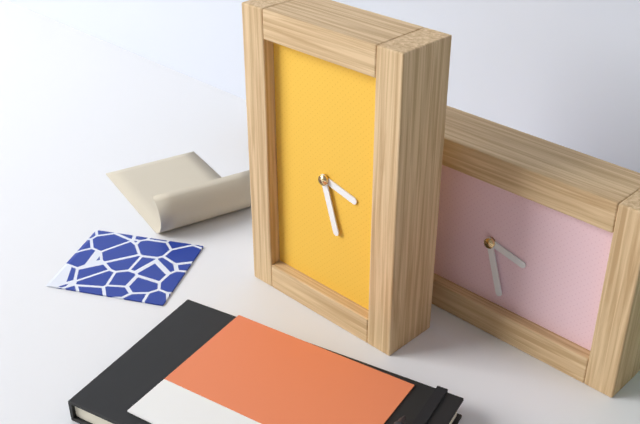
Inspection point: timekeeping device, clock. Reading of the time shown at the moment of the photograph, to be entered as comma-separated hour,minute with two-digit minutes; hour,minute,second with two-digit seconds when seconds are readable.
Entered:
3,27
